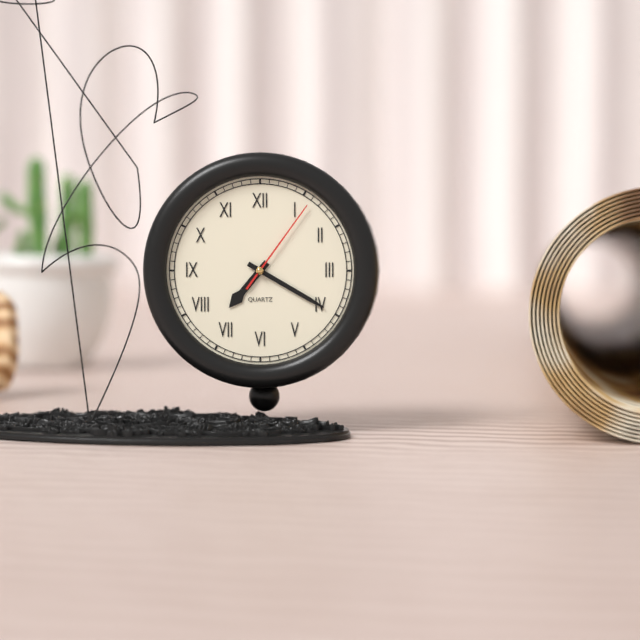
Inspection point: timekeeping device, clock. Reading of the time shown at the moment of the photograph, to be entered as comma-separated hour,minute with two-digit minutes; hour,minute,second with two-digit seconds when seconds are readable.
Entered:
7,20,06
